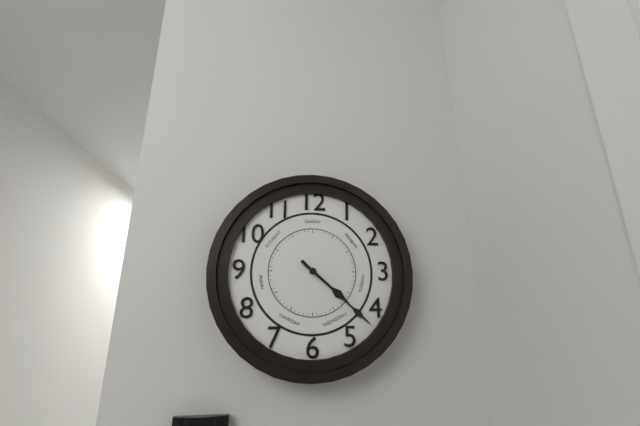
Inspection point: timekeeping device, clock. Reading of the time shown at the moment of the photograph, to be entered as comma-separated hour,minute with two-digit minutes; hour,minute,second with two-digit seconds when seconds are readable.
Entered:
4,22
